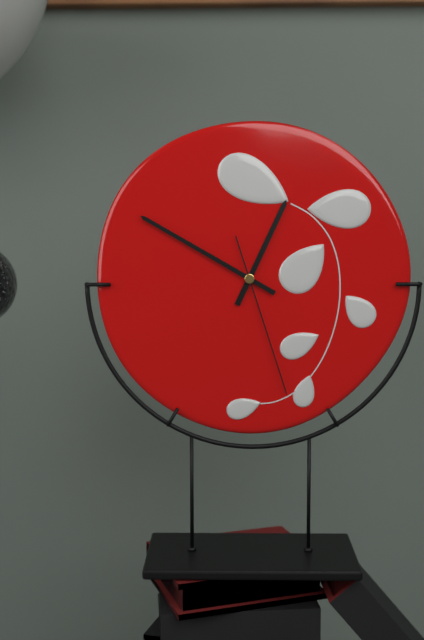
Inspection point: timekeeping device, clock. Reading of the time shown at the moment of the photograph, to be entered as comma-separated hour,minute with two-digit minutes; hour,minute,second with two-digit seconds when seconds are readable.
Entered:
12,50,27
